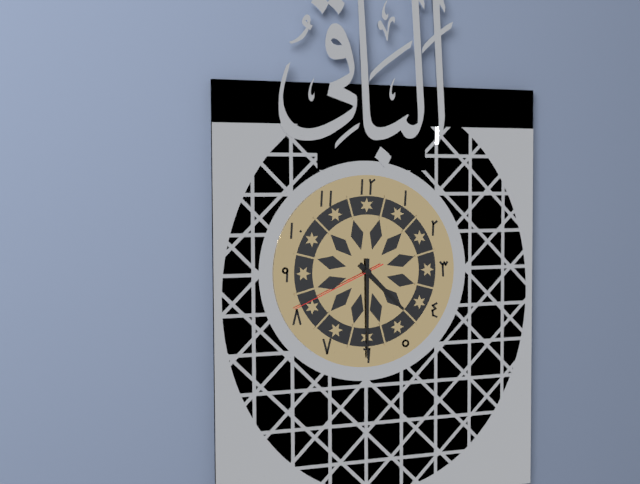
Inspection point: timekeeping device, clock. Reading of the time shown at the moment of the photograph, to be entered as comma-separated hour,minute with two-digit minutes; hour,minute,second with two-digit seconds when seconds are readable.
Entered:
4,30,41
